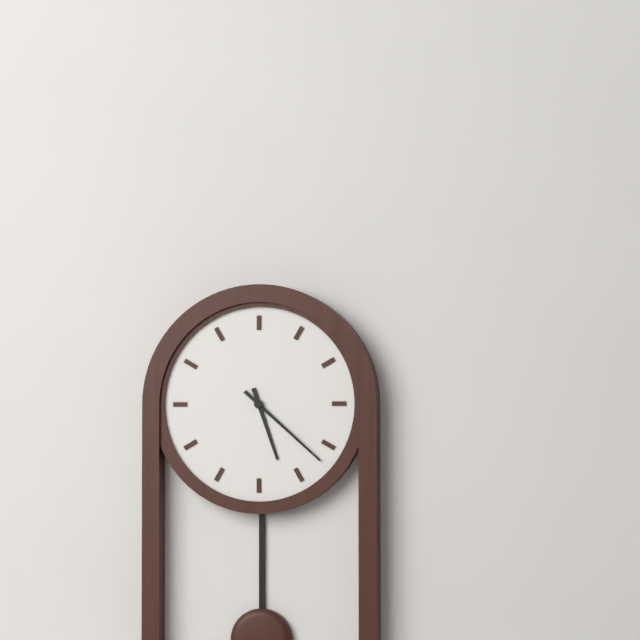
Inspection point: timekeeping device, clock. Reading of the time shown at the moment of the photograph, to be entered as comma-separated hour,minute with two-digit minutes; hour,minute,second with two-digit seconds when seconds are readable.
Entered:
5,22
